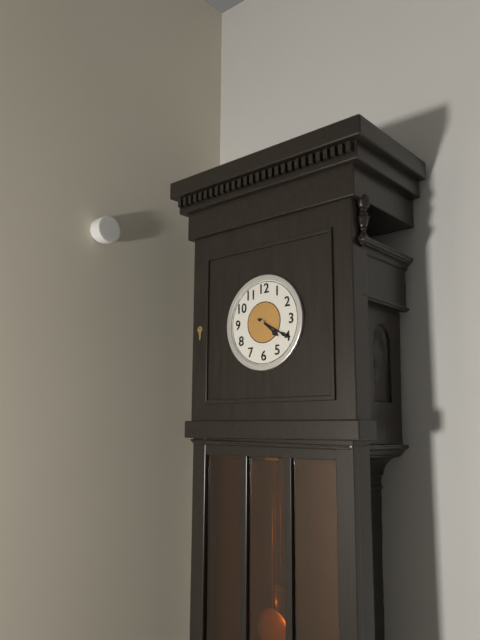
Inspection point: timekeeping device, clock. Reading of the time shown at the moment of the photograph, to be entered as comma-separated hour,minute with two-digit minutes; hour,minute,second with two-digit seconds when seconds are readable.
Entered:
4,20
